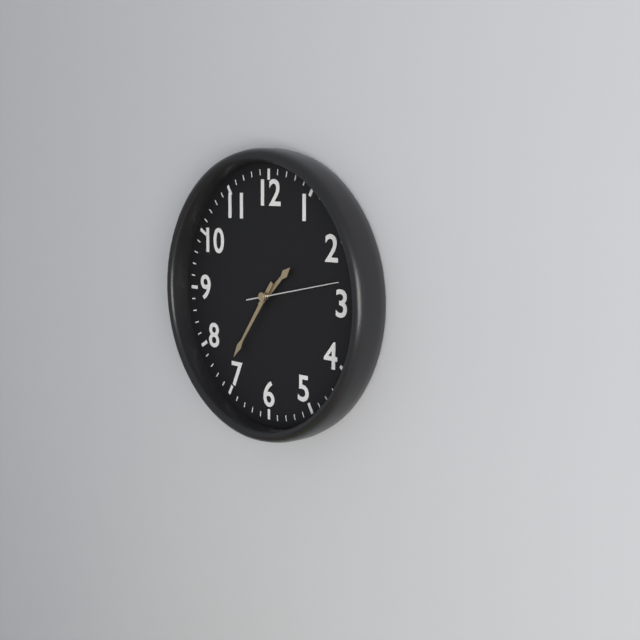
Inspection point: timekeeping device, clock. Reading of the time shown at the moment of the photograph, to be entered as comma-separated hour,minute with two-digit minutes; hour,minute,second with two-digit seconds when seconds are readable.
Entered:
1,36,13
